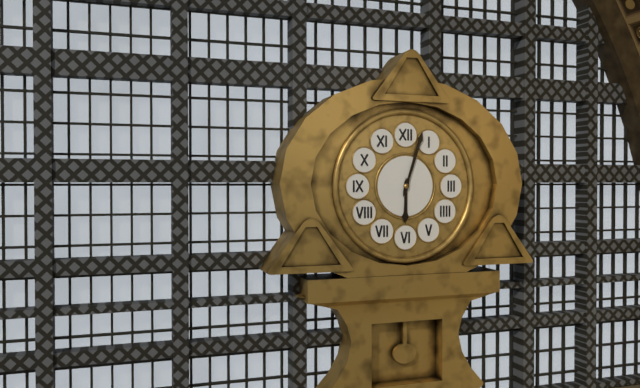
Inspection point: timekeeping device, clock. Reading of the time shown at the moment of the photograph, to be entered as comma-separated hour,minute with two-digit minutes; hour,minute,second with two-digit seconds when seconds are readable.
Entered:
6,03
